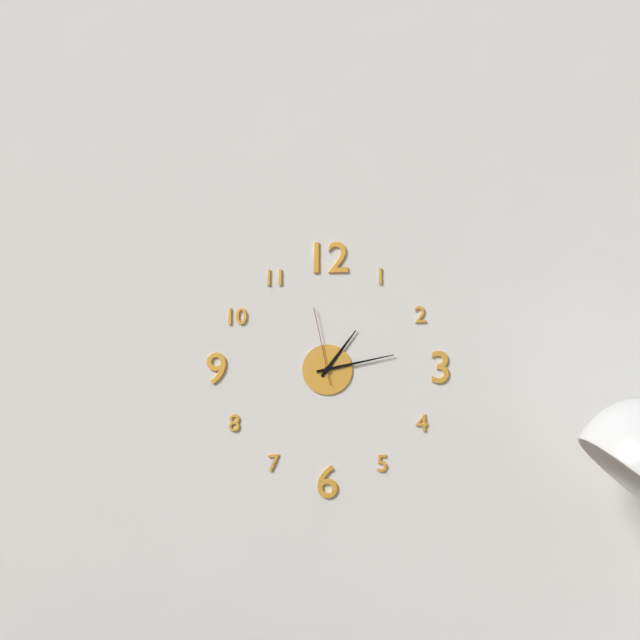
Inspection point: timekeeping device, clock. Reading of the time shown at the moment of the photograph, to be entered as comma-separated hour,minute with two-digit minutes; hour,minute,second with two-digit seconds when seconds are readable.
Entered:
1,13,58
